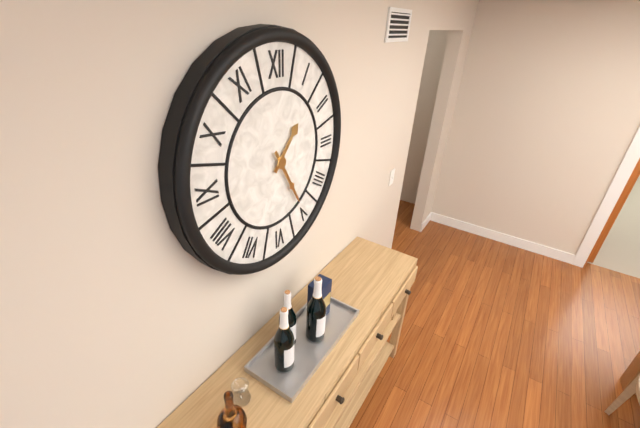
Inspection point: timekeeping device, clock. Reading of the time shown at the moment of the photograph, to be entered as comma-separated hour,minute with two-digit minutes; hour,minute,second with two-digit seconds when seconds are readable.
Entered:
1,25
